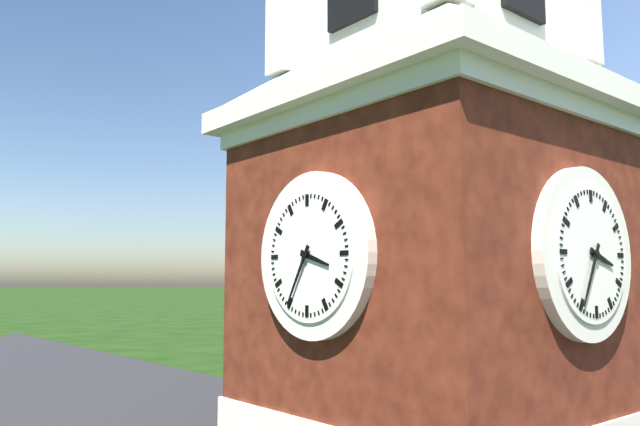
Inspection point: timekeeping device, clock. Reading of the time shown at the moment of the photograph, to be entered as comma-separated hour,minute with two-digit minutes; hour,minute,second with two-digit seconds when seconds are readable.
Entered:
3,35
